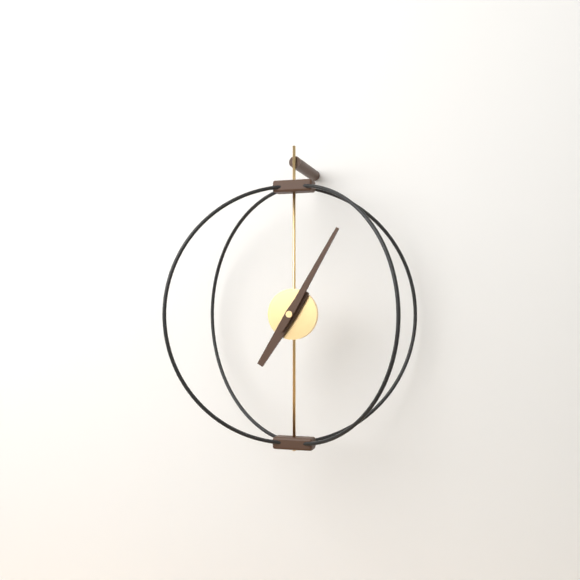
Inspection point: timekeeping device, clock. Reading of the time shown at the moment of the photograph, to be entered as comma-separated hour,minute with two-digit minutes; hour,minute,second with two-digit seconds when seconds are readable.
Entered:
7,05
